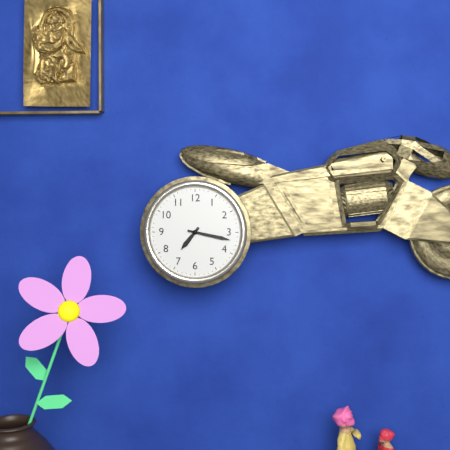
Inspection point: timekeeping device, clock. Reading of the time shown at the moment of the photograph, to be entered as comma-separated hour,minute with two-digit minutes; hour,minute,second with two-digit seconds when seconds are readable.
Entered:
7,17
